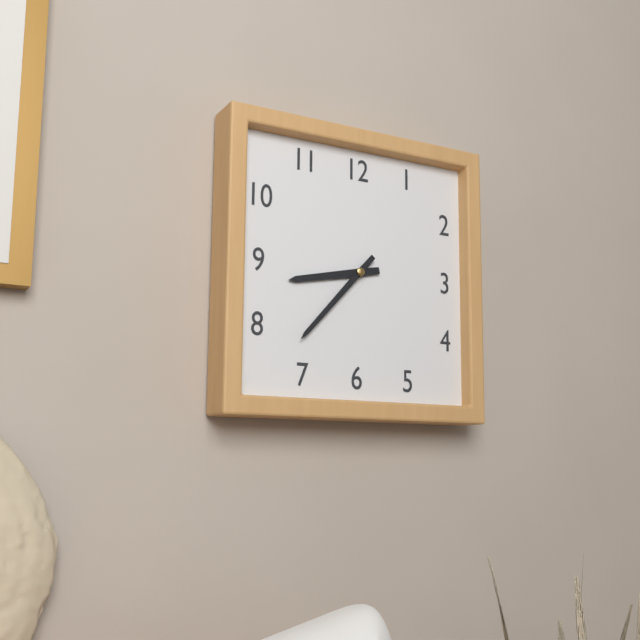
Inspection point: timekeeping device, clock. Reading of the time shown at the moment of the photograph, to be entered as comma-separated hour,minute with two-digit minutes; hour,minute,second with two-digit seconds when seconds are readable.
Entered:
8,37
